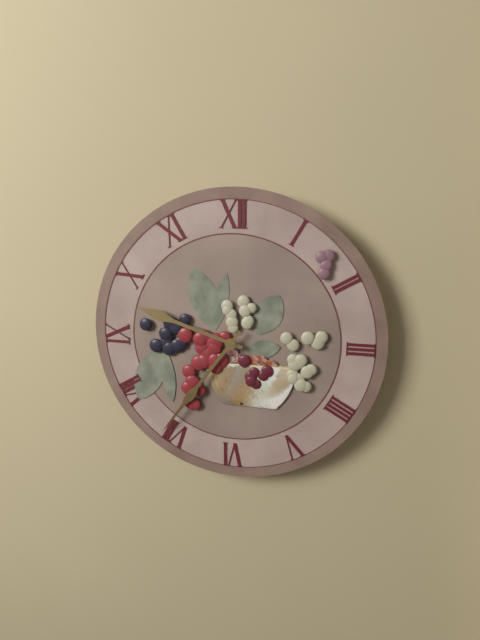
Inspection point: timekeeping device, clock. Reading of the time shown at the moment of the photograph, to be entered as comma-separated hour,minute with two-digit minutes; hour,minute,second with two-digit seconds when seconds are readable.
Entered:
9,36
